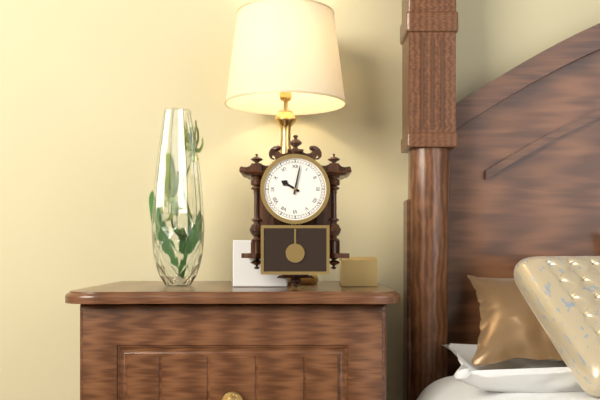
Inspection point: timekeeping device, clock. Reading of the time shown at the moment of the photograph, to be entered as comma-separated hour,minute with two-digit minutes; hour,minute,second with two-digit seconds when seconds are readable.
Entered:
10,02
